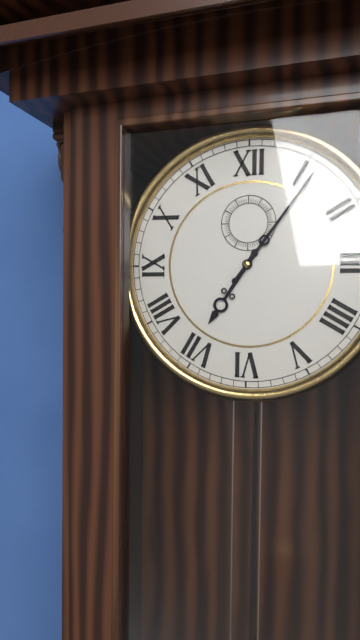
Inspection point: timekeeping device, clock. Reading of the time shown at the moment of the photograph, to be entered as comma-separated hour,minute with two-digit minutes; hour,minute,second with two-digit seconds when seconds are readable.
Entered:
7,06
